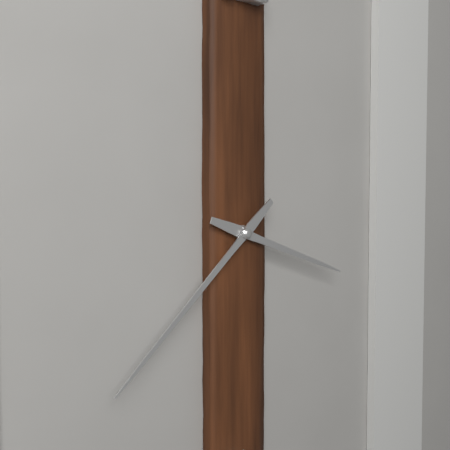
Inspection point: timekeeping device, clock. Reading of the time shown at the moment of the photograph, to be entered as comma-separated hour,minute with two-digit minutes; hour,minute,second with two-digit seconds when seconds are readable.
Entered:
3,38
